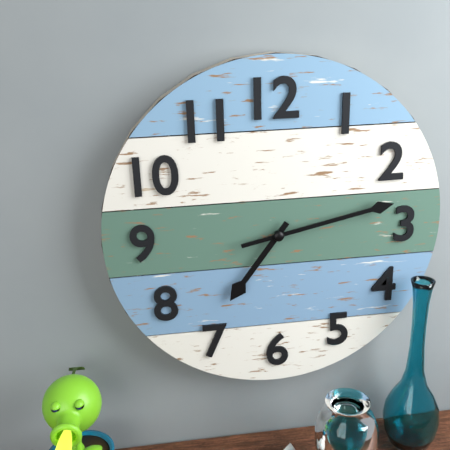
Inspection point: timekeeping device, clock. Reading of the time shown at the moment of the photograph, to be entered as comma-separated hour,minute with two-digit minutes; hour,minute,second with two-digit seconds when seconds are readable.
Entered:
7,13
